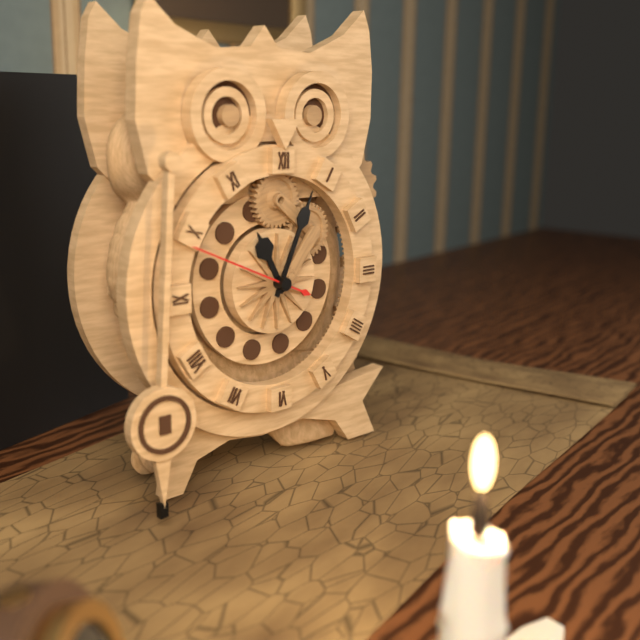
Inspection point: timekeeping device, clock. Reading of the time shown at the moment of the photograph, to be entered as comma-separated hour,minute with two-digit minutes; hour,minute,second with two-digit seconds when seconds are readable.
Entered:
11,04,49
